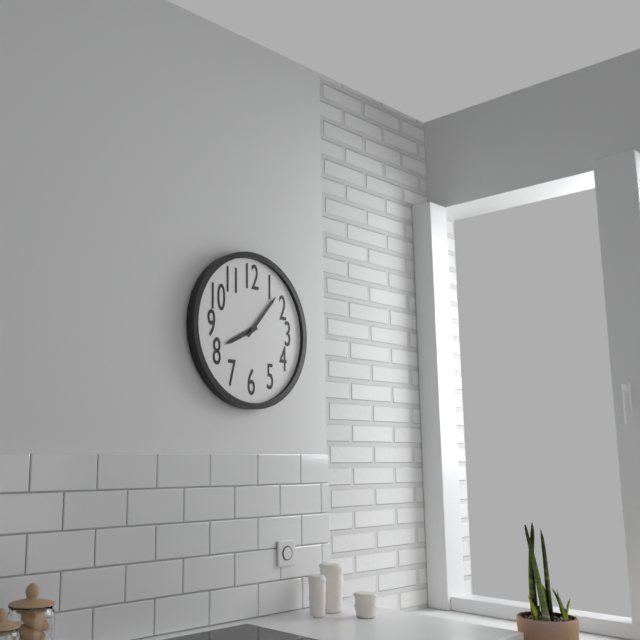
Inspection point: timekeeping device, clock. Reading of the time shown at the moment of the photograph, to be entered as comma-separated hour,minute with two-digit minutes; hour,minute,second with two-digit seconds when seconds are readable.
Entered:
8,07
